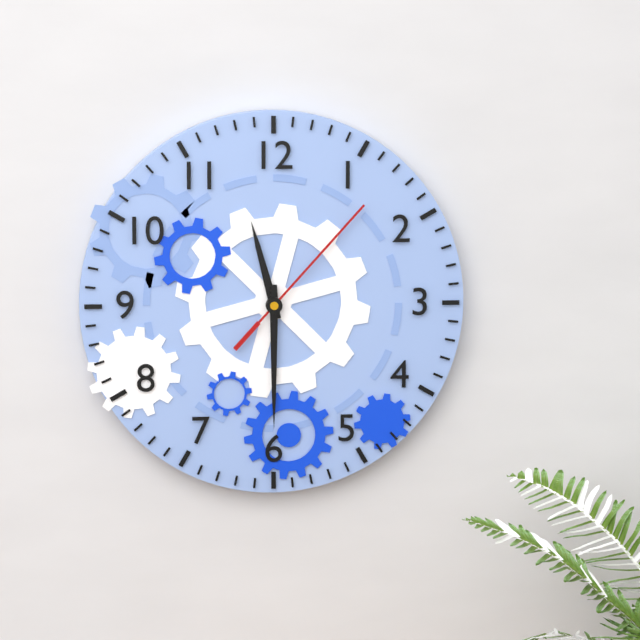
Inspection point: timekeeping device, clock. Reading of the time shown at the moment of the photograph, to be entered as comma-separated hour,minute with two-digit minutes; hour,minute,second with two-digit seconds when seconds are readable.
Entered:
11,30,07
